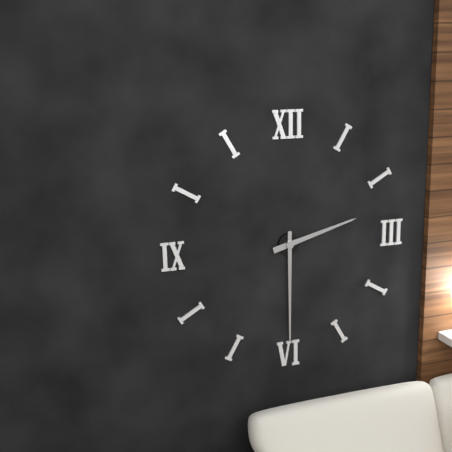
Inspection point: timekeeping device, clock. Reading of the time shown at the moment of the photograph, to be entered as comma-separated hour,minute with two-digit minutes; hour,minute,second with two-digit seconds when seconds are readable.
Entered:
2,30
